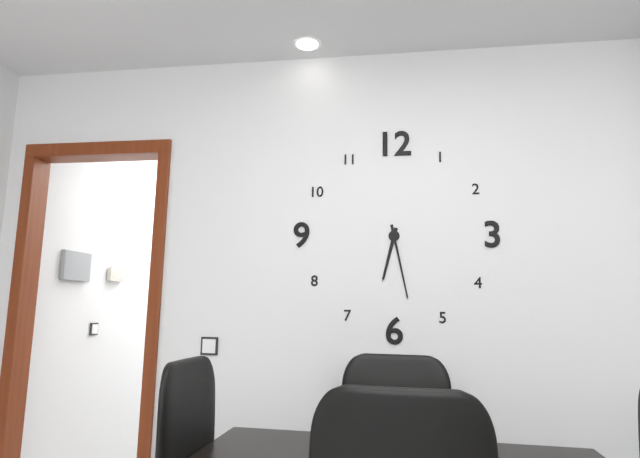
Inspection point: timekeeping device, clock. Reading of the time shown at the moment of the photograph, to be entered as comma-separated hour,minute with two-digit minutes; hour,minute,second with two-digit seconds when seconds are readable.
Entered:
6,28
